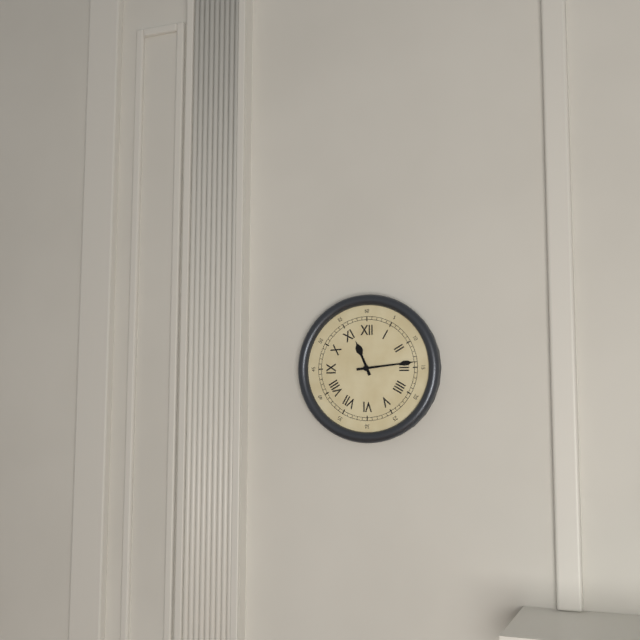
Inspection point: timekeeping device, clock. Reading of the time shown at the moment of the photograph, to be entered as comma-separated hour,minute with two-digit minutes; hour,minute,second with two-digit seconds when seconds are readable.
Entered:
11,14
